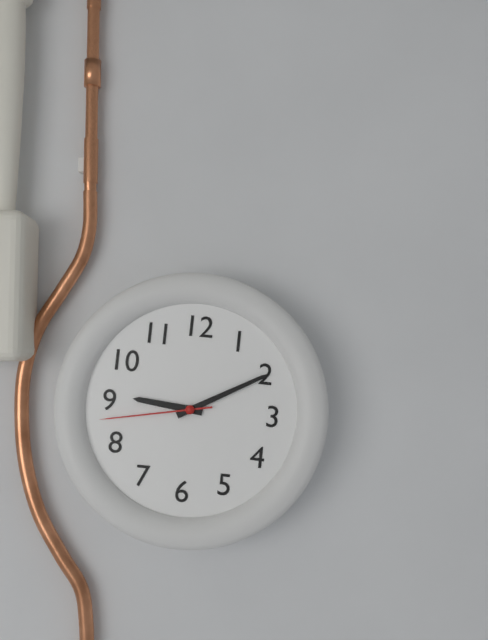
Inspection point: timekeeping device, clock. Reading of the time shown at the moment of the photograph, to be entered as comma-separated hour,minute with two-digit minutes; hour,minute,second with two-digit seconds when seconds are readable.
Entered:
9,10,43
